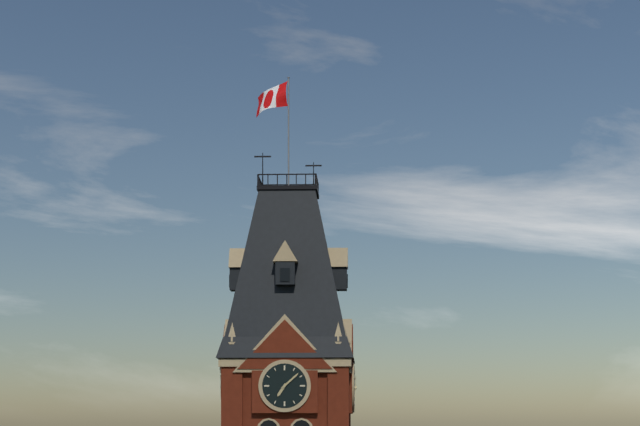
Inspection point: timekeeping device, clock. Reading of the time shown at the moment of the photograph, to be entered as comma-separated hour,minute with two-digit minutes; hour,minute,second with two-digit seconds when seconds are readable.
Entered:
7,08
